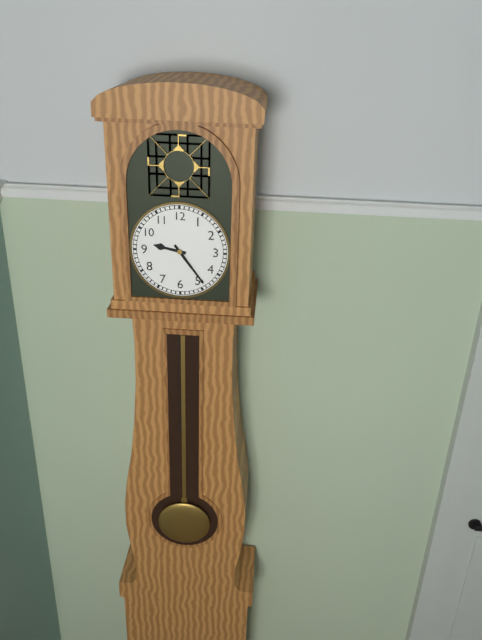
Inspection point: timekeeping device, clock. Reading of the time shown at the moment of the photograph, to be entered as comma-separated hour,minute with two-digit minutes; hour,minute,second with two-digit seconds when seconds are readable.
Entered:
9,24
